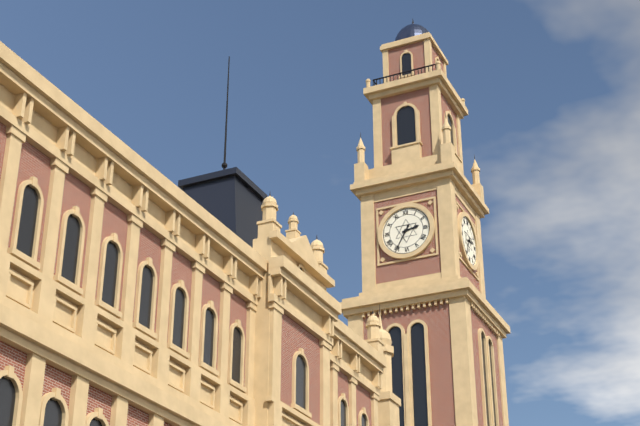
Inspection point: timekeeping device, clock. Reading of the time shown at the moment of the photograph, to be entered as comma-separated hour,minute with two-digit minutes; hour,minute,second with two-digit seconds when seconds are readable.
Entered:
2,35
